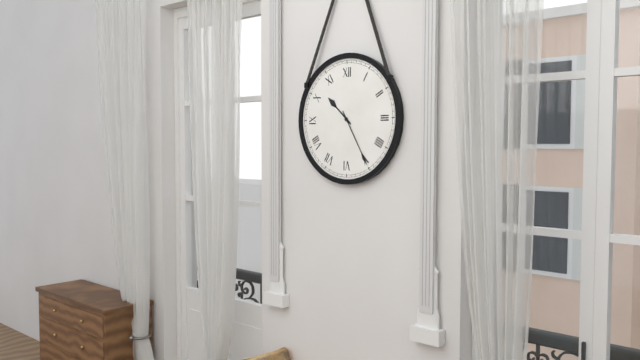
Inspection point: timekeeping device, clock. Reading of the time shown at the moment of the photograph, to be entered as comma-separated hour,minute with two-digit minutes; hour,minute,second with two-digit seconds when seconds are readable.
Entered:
10,25
